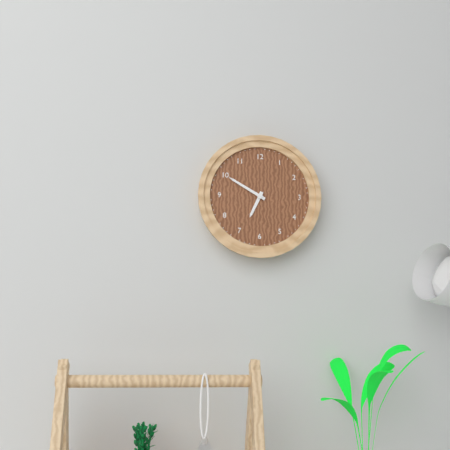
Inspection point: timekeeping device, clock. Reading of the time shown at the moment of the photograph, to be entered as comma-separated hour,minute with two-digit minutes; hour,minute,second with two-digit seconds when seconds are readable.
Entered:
6,50
